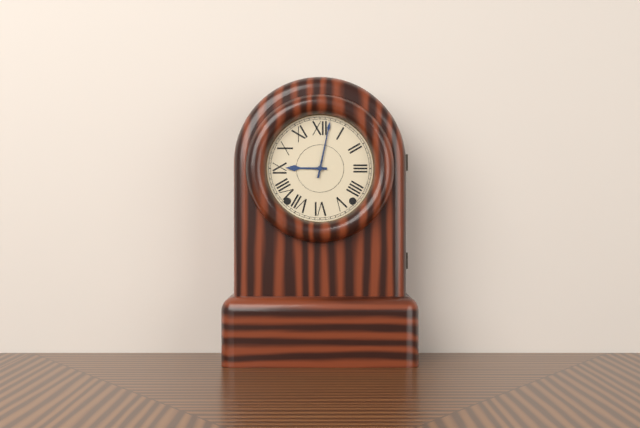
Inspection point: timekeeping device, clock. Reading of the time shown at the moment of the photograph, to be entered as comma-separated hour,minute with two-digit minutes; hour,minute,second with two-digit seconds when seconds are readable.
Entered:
9,02
